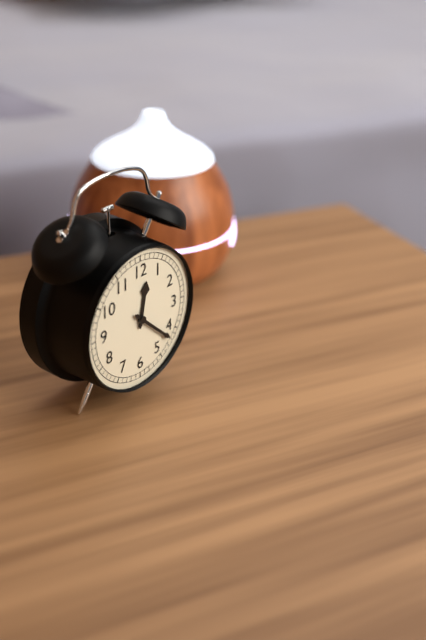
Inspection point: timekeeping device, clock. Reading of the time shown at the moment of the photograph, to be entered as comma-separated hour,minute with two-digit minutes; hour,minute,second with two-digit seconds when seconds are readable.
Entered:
12,22
